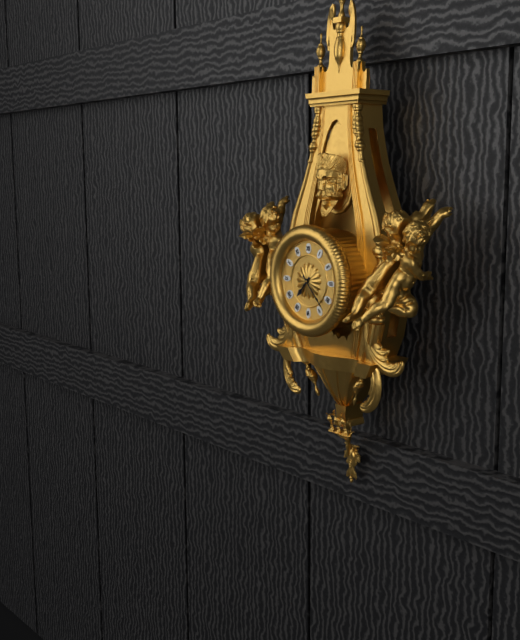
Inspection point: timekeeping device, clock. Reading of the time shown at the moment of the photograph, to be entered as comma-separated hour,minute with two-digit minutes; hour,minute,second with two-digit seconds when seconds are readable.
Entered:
7,23
